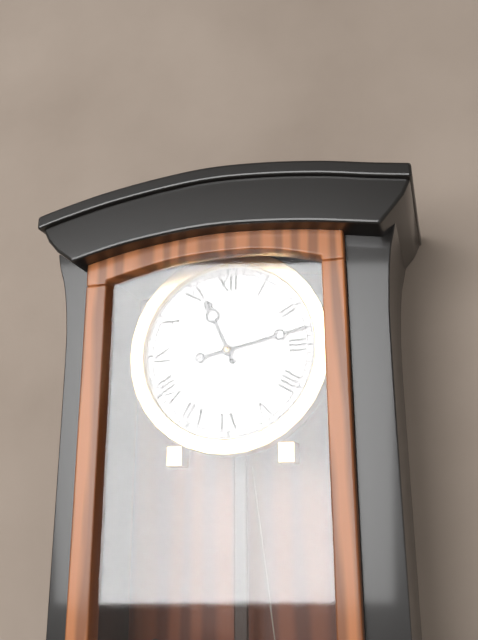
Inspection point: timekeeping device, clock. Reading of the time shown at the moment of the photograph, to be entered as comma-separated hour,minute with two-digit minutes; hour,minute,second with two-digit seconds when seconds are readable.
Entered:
11,13
